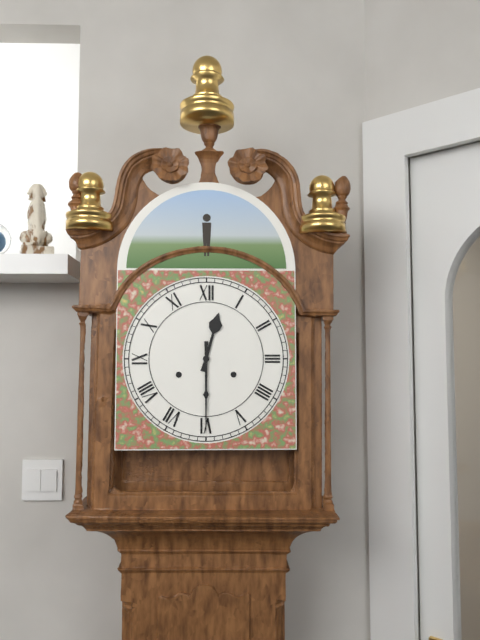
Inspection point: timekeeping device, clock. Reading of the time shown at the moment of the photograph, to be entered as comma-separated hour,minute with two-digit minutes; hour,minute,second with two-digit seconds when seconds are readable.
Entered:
12,30
